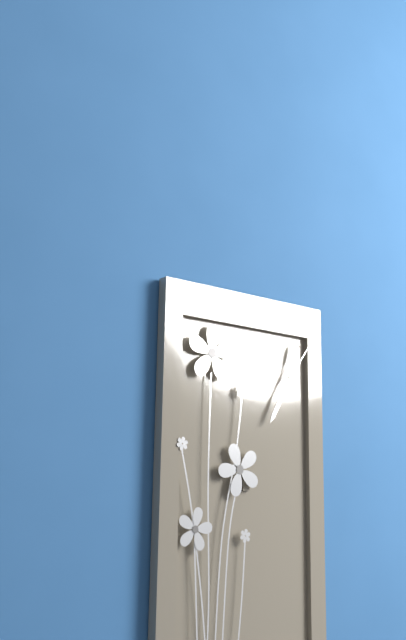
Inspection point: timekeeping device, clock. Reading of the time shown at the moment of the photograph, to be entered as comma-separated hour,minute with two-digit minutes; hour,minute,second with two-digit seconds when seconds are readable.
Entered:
12,35
